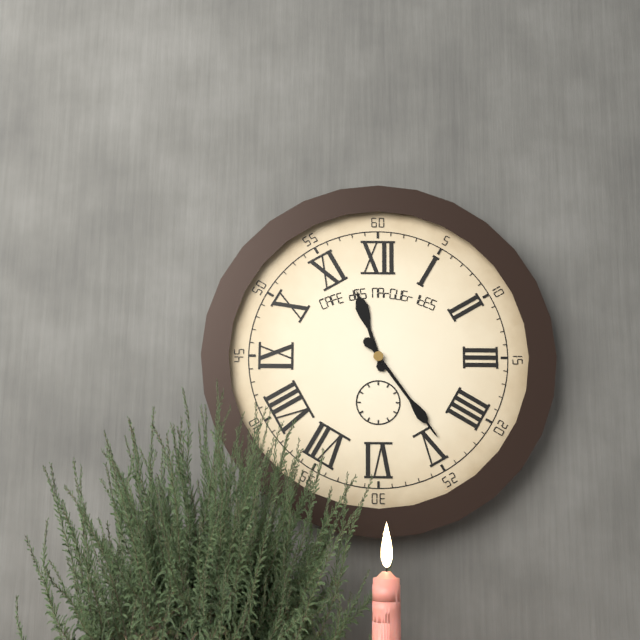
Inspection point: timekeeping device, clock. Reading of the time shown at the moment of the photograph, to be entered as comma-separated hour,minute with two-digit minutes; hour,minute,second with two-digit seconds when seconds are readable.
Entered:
11,24
